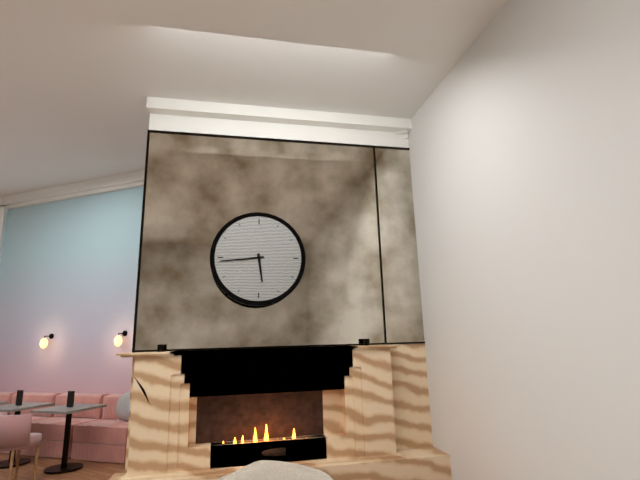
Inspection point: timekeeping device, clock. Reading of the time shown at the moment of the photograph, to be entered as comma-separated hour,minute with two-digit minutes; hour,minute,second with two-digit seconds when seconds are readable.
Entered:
5,44
